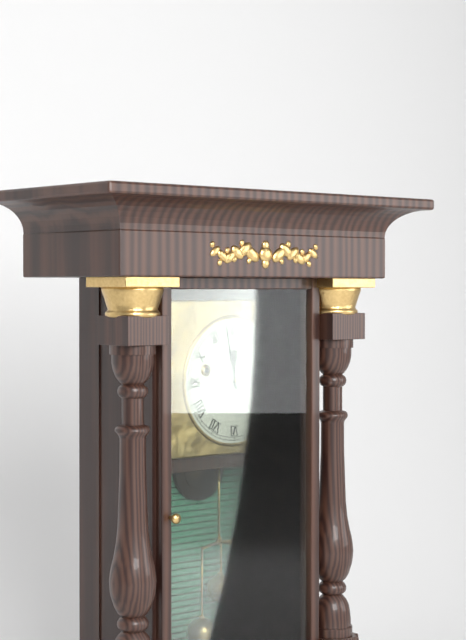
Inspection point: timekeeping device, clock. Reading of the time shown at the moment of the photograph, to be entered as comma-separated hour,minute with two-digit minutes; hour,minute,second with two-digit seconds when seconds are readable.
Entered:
11,58
